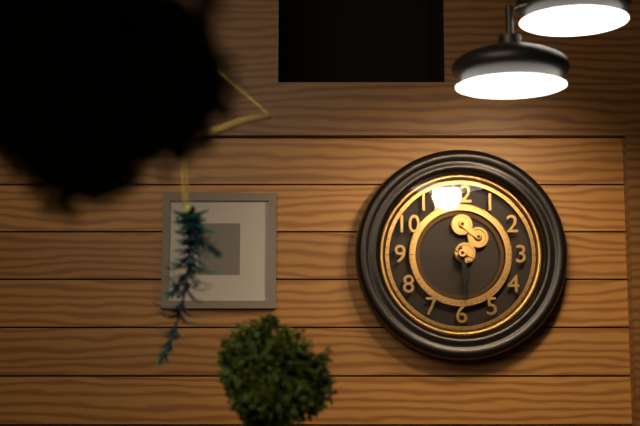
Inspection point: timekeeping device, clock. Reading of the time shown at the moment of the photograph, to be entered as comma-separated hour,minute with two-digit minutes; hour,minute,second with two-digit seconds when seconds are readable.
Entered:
5,29,19
